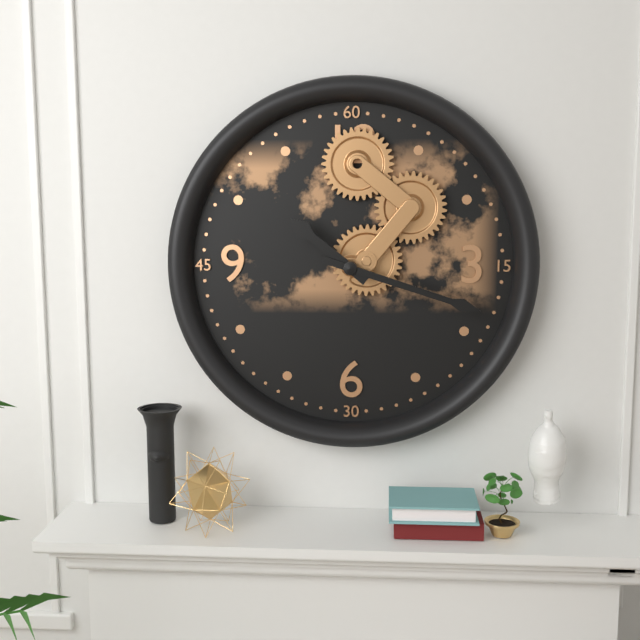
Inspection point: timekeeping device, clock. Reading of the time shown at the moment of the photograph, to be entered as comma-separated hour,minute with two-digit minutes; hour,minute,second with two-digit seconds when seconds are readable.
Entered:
10,18
